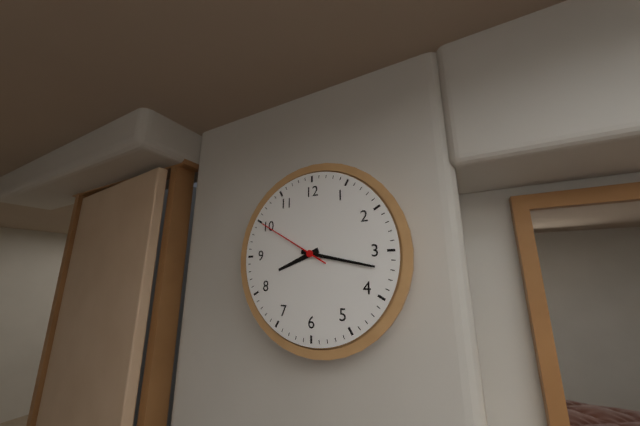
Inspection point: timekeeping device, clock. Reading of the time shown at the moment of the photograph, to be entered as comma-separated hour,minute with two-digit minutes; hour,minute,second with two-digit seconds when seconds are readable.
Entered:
8,17,50
